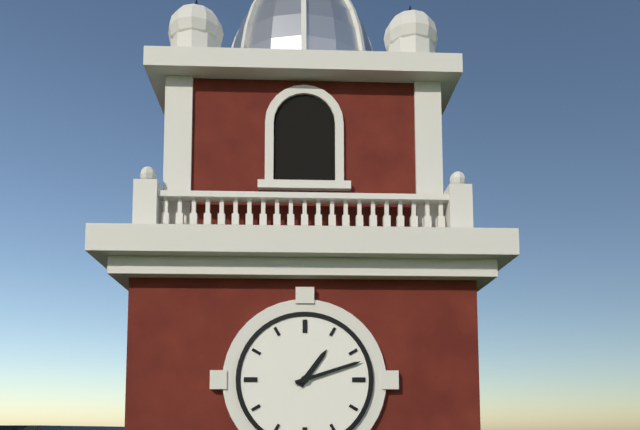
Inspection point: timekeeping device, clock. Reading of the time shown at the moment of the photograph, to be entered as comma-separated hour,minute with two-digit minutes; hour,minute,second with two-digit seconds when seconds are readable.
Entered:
1,12
